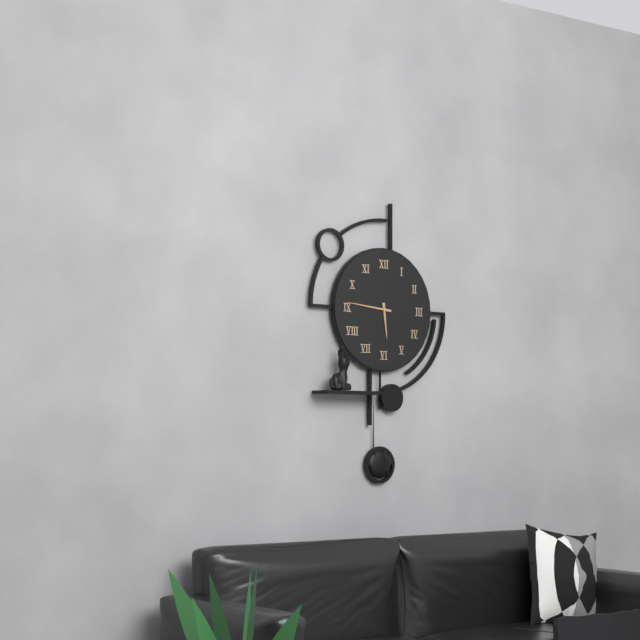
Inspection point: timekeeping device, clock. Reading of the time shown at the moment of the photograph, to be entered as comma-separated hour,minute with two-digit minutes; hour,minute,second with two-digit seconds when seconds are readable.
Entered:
5,46
